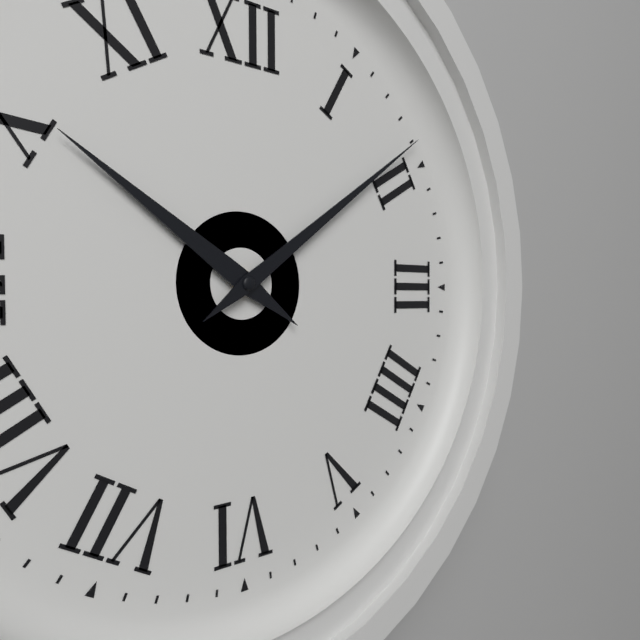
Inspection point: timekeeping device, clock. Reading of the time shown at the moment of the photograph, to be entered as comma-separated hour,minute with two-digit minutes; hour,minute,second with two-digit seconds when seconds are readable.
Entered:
10,09
